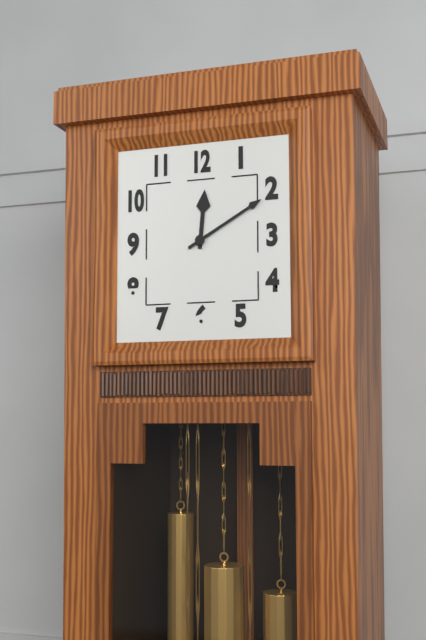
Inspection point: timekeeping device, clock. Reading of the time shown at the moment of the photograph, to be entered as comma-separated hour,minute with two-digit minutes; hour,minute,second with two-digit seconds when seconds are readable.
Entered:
12,10
